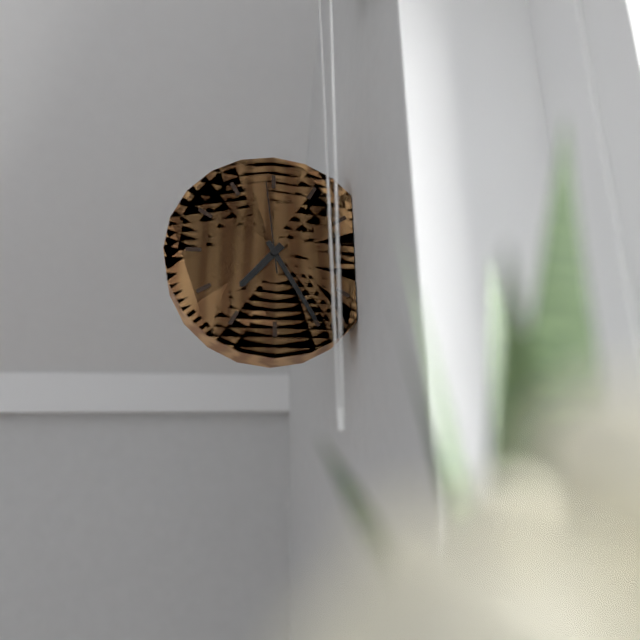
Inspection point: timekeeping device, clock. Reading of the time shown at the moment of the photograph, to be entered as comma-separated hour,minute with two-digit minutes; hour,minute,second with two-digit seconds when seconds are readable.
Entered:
7,25,59
